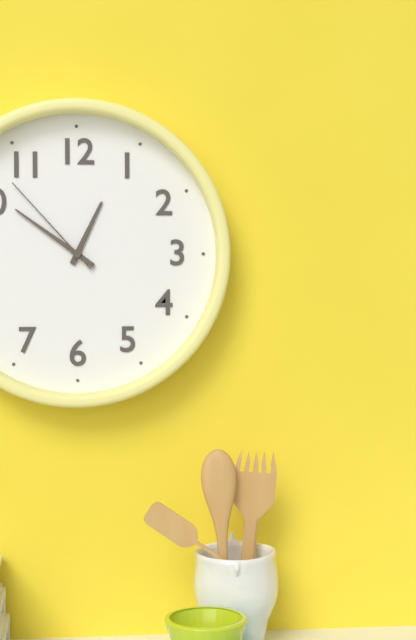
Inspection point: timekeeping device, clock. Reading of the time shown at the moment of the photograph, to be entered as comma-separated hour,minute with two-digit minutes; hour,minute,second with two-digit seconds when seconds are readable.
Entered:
12,51,53
